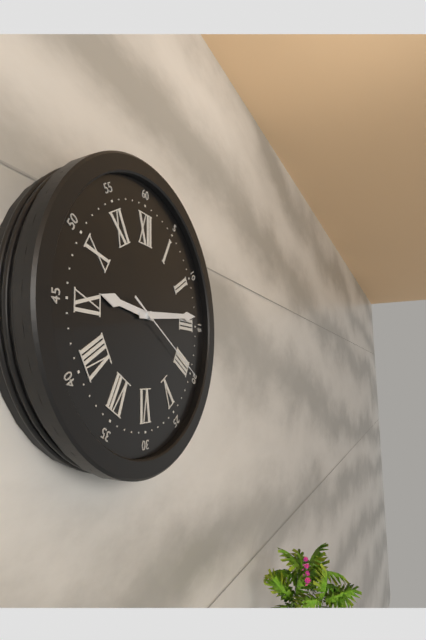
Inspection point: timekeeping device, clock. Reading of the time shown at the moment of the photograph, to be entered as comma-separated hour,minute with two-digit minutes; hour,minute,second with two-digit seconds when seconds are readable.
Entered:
9,14,20
